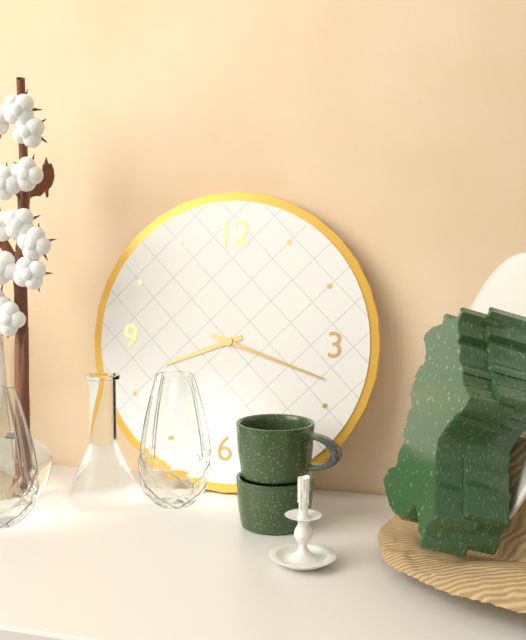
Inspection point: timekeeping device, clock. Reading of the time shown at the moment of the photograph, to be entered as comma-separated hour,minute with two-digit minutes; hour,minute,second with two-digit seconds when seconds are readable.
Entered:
8,18
